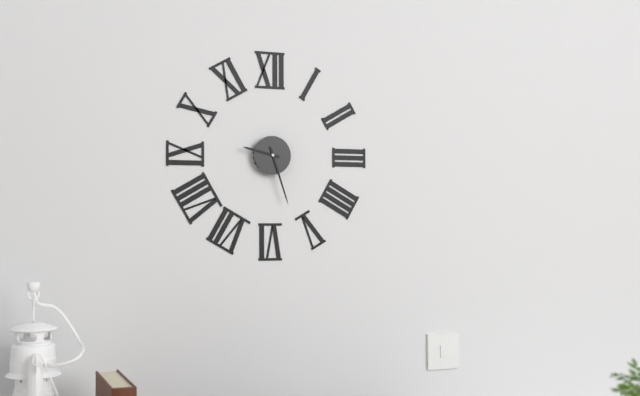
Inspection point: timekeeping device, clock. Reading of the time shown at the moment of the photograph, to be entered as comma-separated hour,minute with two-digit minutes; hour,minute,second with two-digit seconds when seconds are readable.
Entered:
9,27
